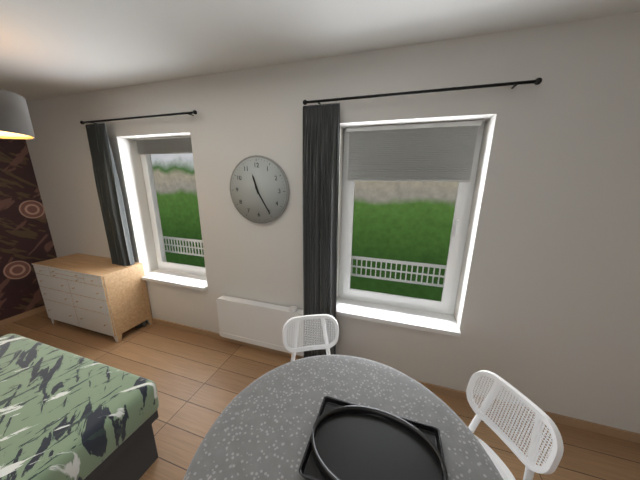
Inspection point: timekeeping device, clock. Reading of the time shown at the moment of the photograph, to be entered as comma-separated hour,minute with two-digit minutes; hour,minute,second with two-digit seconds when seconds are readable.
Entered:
11,25
